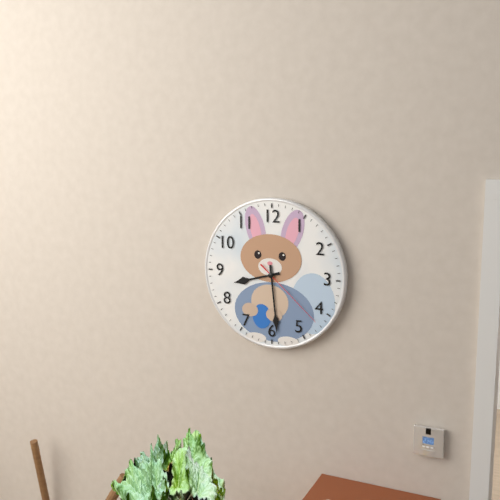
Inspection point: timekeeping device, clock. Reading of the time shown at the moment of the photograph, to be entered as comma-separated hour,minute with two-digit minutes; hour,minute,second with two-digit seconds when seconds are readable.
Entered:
8,29,22
